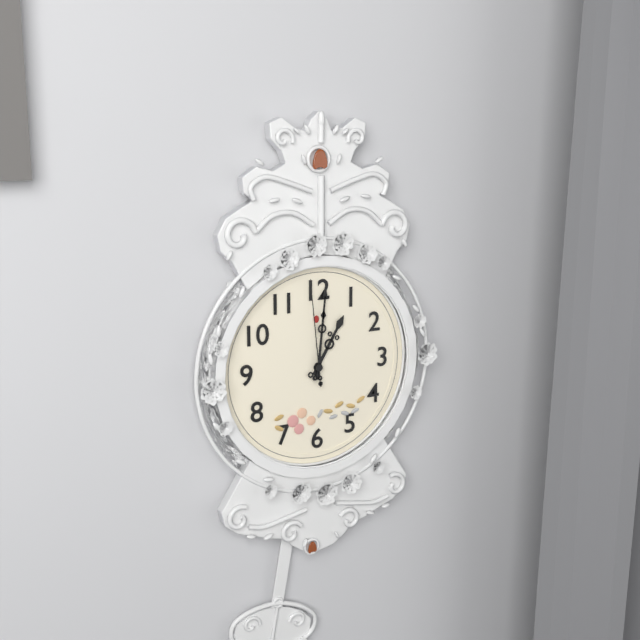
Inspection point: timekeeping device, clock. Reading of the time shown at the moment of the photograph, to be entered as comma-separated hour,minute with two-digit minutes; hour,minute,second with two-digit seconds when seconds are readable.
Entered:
1,01,59
